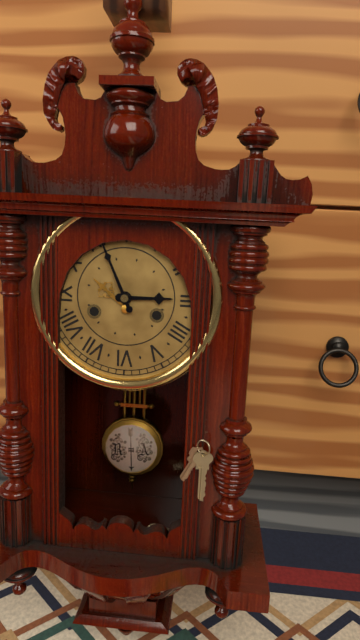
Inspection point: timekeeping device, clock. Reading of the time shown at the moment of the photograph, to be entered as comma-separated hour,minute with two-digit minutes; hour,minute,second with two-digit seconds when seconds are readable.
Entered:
2,56
